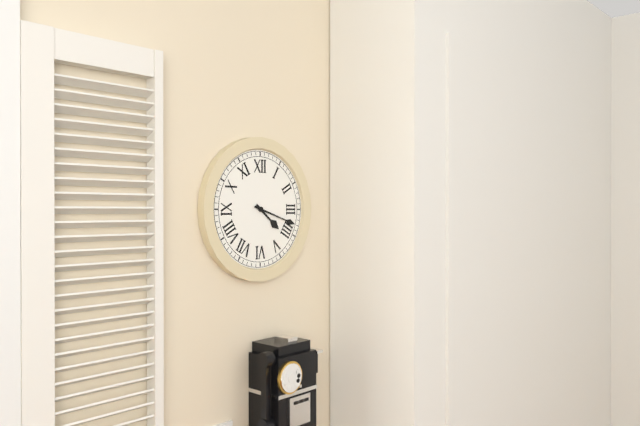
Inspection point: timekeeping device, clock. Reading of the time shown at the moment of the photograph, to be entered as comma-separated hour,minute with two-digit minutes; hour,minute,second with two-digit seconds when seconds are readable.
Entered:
4,18
